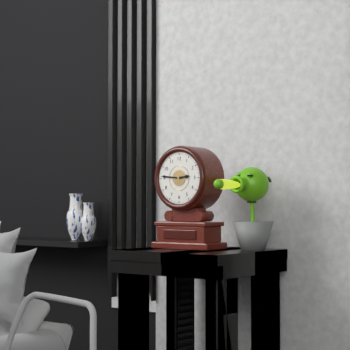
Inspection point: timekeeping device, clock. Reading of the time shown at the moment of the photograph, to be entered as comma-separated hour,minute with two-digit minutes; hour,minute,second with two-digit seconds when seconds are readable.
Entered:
2,46
